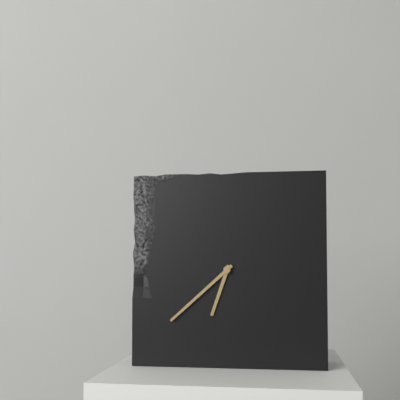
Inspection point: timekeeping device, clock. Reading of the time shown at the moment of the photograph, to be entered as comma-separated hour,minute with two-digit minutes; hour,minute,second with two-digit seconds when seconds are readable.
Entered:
6,38
